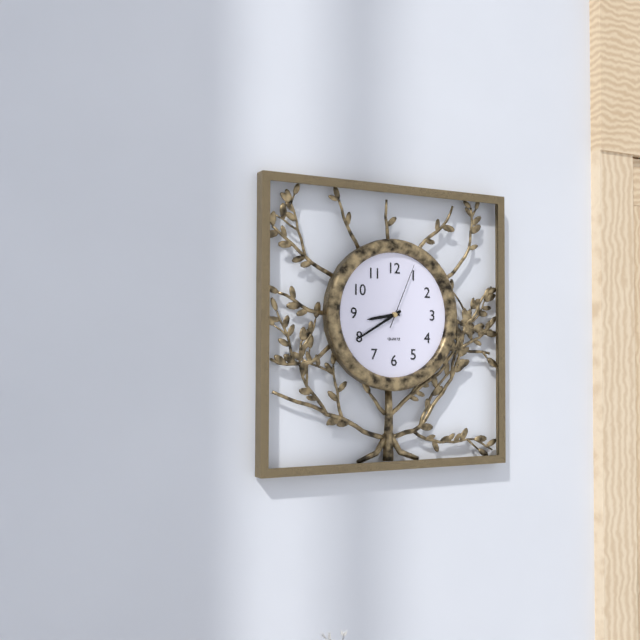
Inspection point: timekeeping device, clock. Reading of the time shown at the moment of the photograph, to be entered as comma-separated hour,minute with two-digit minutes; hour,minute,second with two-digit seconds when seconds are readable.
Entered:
8,40,04
